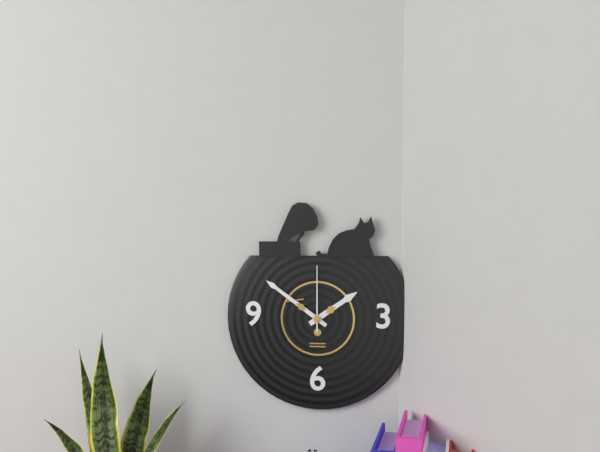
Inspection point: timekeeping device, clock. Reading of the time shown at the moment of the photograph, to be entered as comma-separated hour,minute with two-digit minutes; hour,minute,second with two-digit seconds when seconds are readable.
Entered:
1,51,00
